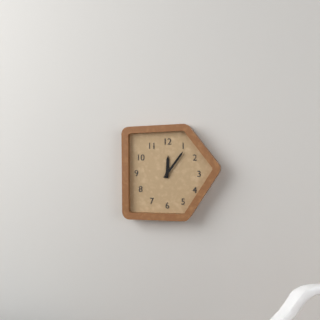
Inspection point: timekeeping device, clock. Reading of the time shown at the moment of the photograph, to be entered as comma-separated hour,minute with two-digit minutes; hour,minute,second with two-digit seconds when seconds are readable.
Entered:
12,06
